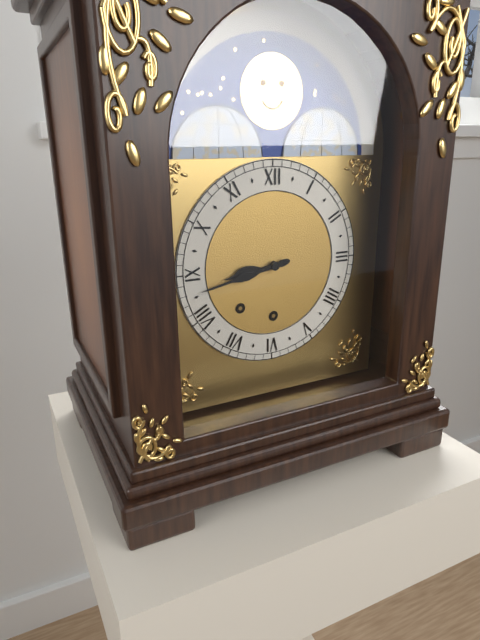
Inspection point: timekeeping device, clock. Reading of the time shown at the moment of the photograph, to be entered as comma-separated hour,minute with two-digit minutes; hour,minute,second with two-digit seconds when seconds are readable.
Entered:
8,43
